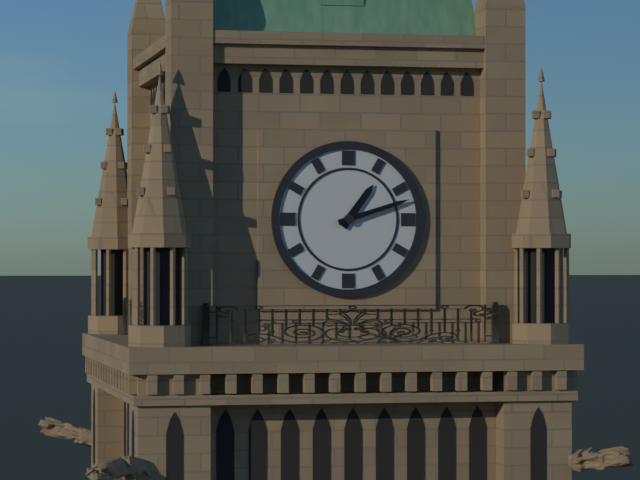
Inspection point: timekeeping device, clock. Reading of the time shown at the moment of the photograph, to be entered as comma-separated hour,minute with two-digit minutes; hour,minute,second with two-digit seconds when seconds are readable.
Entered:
1,12
